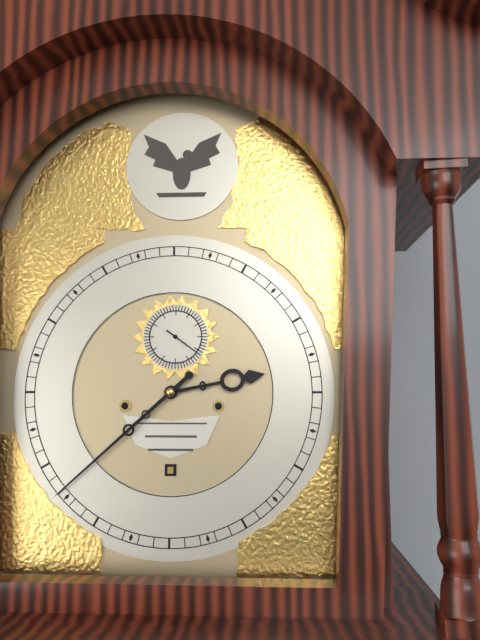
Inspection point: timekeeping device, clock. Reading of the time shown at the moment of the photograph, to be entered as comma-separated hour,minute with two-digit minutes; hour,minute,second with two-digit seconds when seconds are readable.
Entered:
2,38
